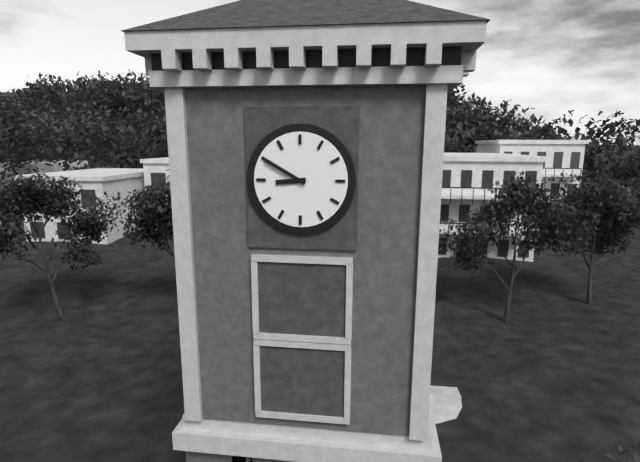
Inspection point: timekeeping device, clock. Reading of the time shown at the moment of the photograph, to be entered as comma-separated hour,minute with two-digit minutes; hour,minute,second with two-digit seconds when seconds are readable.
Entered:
8,50
